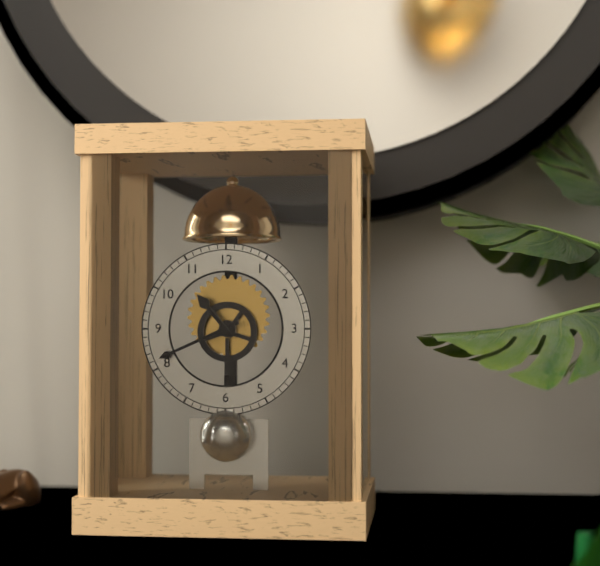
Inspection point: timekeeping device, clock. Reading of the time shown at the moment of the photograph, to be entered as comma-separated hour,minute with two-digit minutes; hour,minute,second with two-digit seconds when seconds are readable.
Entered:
10,41
